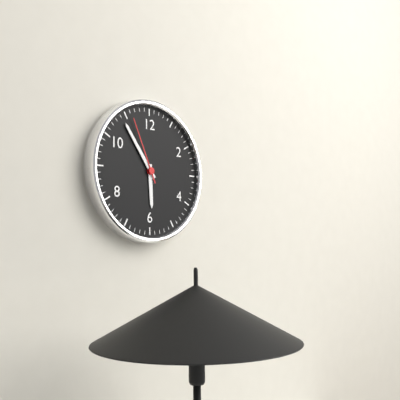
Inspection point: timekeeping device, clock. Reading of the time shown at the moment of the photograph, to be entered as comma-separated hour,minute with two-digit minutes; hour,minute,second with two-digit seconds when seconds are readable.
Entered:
5,54,56
